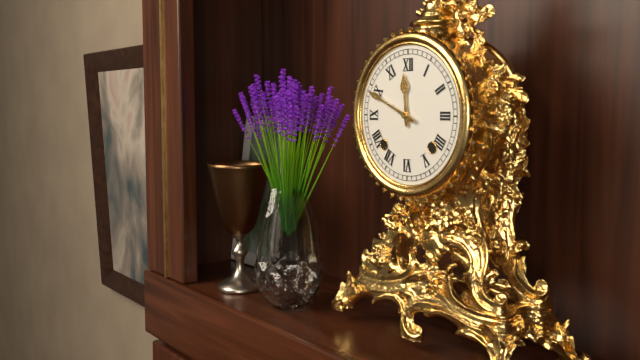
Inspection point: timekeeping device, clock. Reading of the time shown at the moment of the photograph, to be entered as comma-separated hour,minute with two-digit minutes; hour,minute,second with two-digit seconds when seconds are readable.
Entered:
11,49
